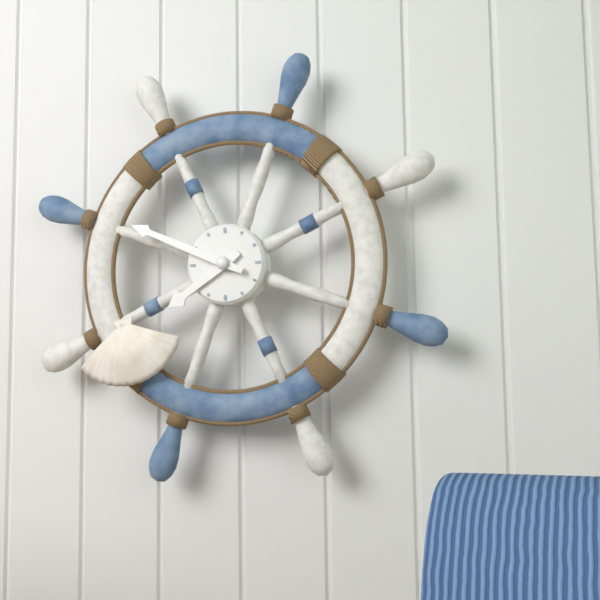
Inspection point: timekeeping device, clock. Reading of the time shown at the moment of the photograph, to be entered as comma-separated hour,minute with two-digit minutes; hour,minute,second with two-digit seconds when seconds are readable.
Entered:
7,49
